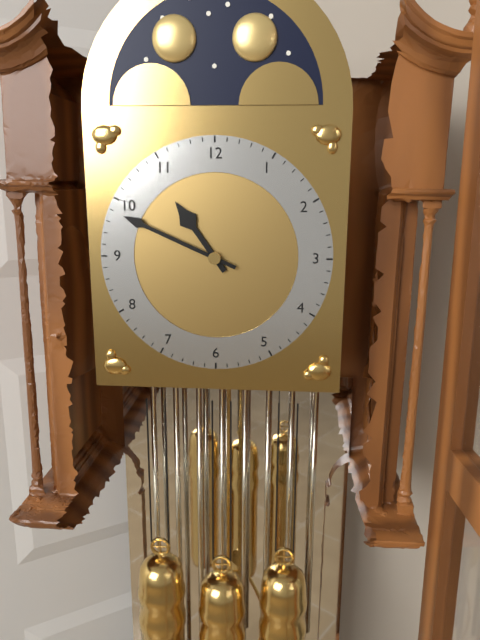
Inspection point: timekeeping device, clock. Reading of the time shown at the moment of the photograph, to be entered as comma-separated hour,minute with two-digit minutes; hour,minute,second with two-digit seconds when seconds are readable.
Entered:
10,49
